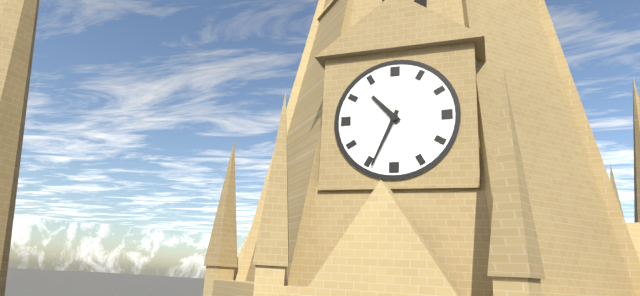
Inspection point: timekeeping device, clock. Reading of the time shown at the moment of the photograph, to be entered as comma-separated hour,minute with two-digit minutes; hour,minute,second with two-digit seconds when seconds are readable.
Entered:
10,34
